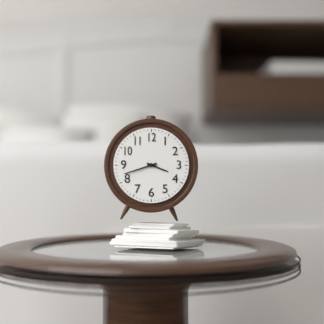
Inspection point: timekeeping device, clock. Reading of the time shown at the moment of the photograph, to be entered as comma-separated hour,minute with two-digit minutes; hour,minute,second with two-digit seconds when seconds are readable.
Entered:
3,42
